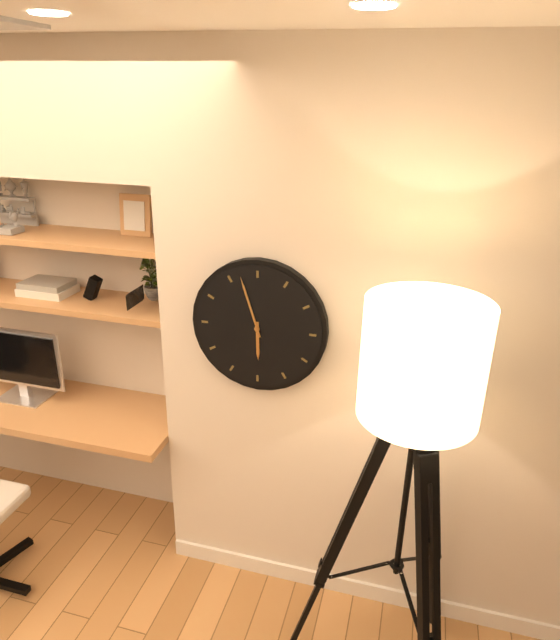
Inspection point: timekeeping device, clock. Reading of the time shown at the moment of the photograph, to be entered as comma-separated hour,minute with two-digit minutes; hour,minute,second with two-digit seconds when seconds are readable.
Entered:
5,57
